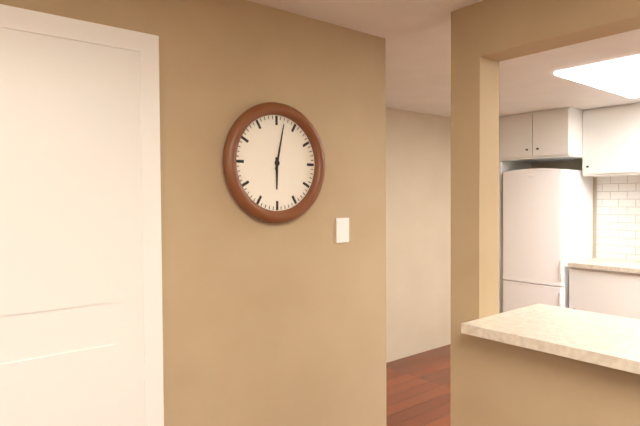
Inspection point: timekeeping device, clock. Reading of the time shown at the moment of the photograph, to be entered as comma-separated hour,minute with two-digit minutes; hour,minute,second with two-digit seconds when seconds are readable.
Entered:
6,02
